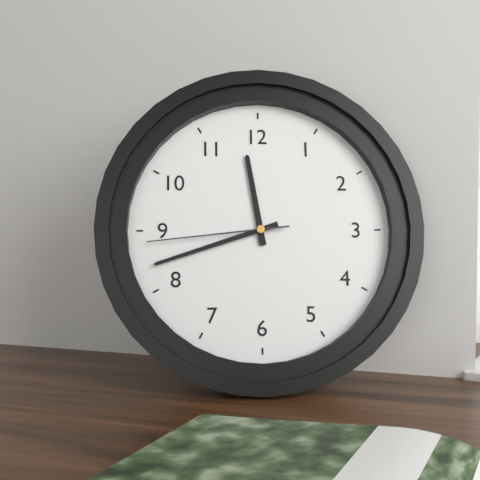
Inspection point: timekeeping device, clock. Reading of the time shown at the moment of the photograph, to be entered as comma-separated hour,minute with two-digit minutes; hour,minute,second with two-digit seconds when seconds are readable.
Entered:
11,42,44
